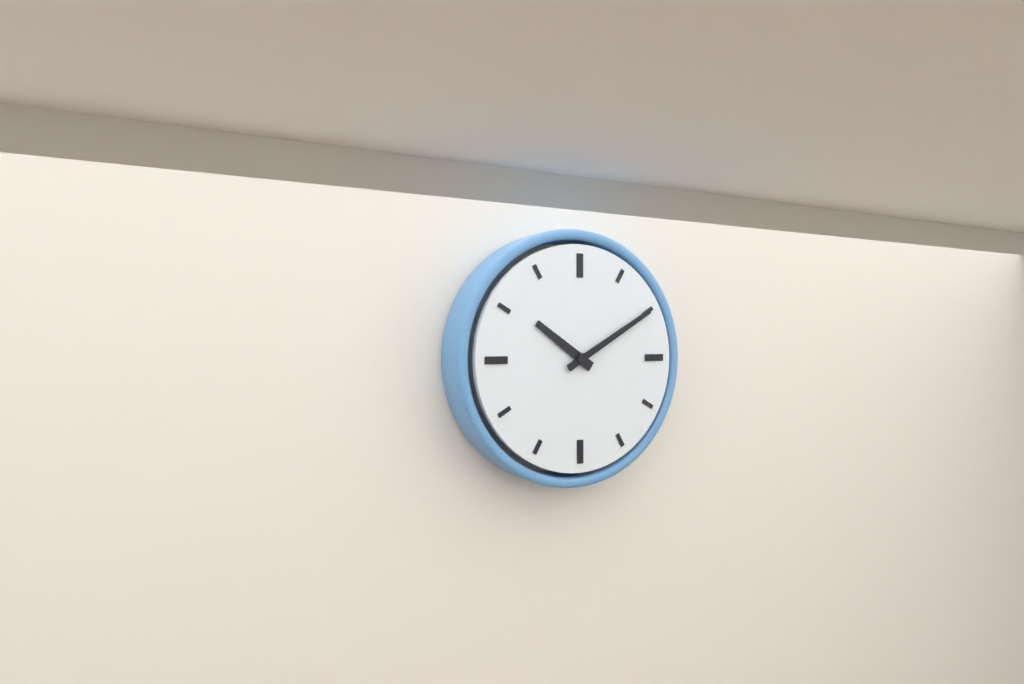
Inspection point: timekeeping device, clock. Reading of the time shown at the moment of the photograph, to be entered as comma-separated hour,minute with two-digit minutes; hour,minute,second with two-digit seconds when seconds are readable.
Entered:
10,10
